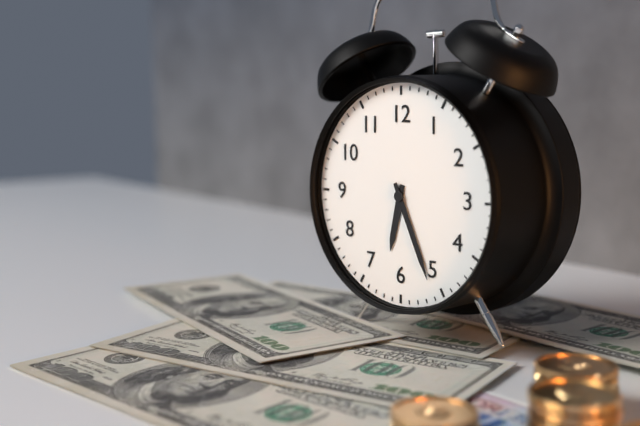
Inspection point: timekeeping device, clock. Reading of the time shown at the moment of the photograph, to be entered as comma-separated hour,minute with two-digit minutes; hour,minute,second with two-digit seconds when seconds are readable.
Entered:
6,26
